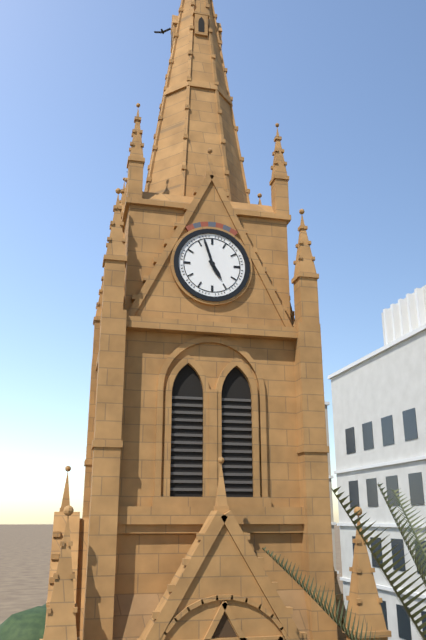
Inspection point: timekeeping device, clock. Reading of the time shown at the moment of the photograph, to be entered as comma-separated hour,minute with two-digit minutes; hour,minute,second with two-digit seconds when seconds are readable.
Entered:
4,57
